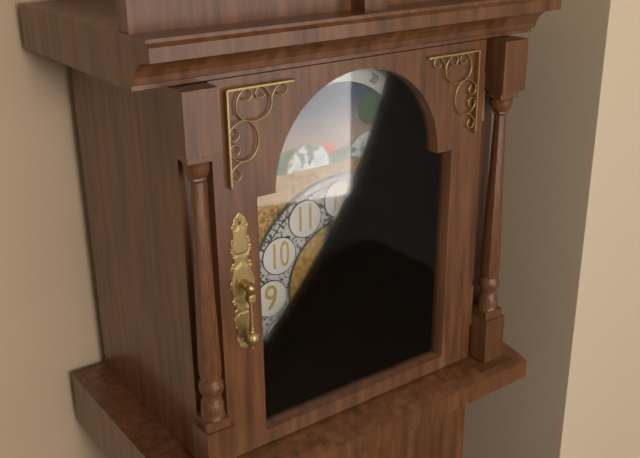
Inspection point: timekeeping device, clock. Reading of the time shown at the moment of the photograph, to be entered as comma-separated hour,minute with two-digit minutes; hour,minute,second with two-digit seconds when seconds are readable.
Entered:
11,37
